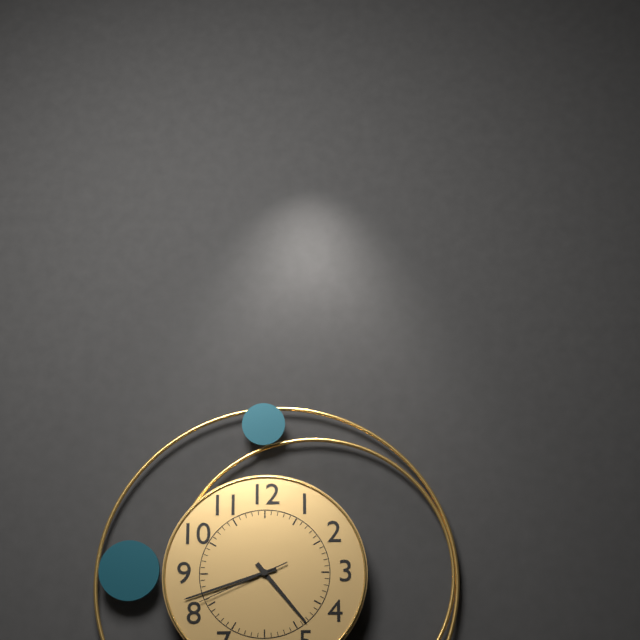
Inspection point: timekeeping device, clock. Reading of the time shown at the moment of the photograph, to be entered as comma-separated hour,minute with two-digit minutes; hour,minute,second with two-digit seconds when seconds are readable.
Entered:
4,42,41
